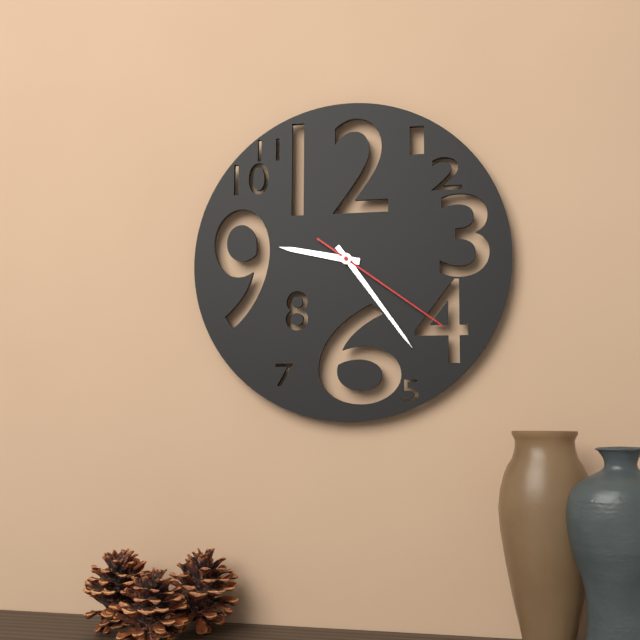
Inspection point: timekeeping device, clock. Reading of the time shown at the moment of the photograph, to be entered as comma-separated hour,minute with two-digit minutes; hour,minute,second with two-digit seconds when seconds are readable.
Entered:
9,24,21
